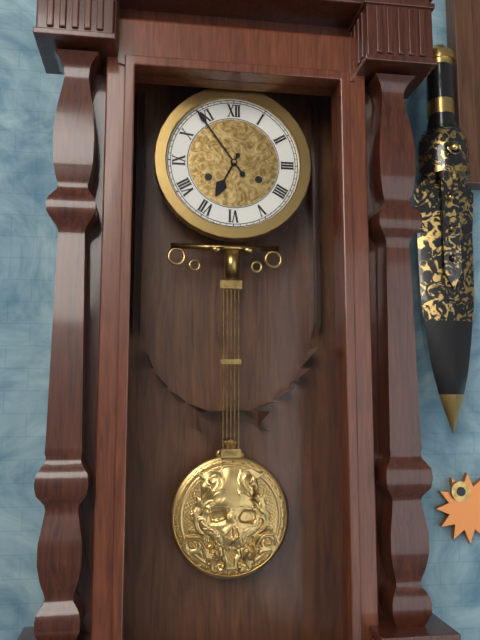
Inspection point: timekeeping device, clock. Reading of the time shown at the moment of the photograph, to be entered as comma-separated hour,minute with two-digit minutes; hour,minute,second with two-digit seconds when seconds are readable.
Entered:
6,54
